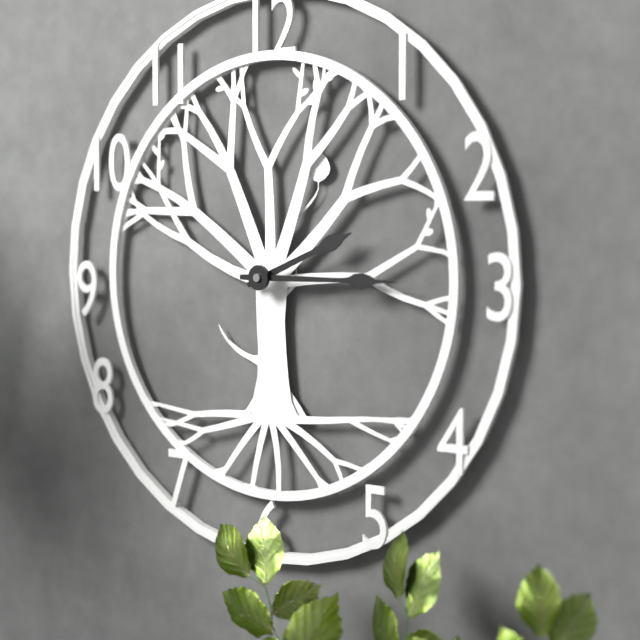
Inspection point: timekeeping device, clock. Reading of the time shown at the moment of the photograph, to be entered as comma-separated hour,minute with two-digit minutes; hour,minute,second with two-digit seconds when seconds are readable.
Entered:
2,15
